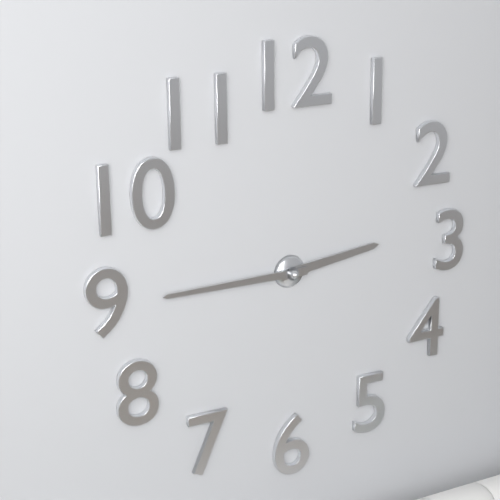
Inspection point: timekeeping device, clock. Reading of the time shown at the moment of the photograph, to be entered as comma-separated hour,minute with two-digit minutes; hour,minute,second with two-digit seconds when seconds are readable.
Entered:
2,45
